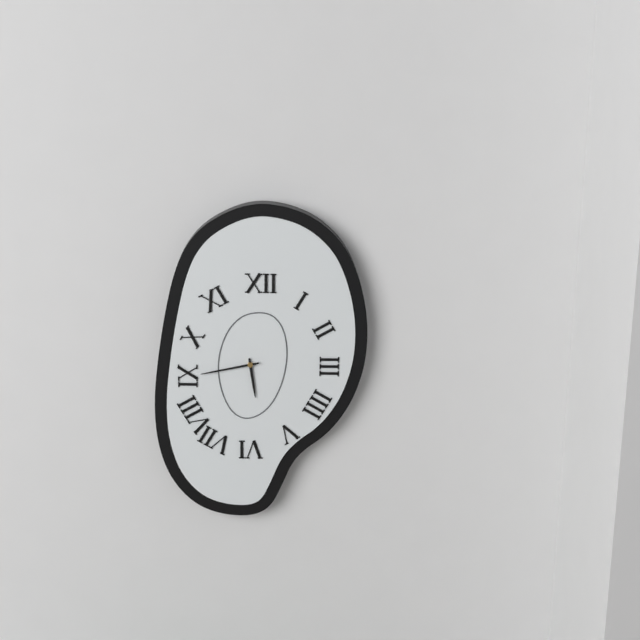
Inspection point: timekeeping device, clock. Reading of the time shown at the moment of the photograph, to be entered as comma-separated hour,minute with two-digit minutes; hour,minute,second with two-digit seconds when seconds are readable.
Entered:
5,43
